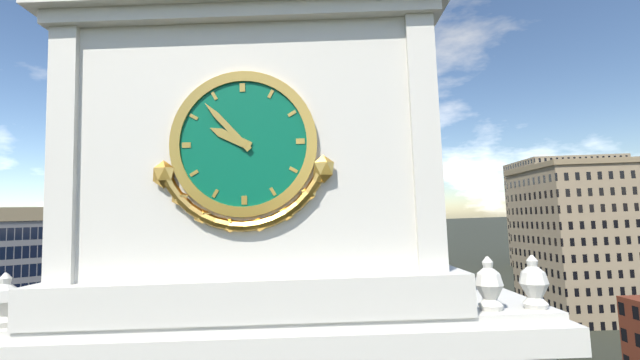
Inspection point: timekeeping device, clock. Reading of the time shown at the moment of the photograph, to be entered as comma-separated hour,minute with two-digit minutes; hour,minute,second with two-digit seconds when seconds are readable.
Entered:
9,53
